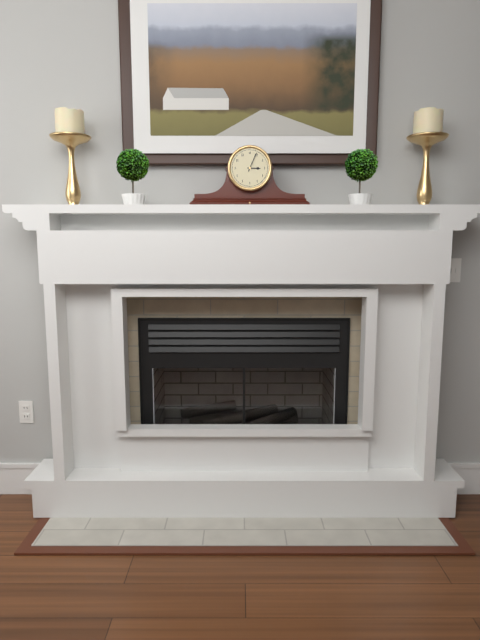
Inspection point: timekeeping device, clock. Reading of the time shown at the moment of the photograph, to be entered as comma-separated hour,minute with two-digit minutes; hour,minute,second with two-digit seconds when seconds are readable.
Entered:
3,04
